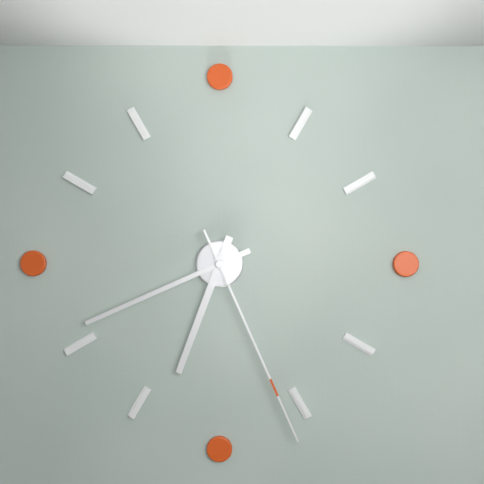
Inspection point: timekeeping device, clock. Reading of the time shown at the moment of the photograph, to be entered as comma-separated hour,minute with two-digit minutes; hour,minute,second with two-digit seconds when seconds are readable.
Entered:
6,41,26
